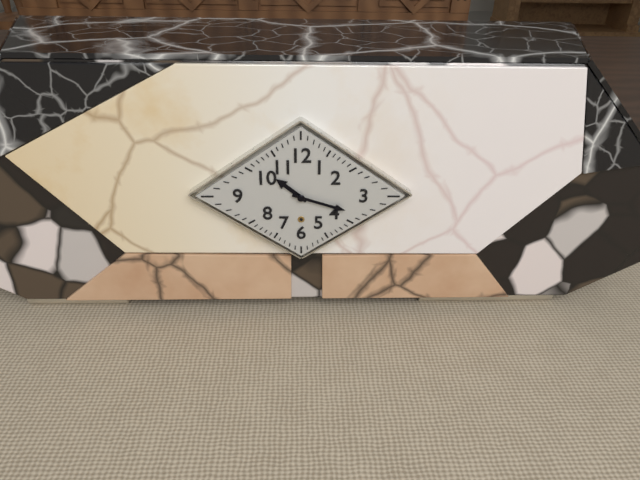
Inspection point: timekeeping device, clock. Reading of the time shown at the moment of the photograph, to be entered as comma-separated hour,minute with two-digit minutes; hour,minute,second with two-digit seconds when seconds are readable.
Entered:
10,18
